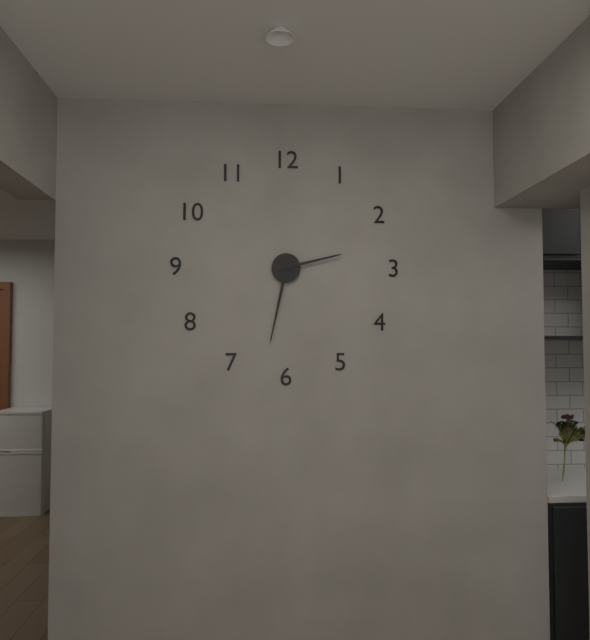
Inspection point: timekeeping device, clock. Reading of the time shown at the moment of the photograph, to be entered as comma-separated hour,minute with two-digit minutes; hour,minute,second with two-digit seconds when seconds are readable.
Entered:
2,32
